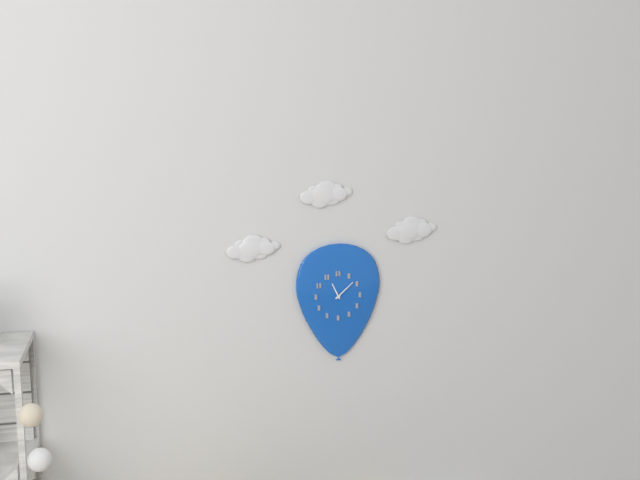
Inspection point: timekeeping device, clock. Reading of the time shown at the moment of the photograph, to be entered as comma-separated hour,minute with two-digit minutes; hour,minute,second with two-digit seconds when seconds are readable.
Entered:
11,08
